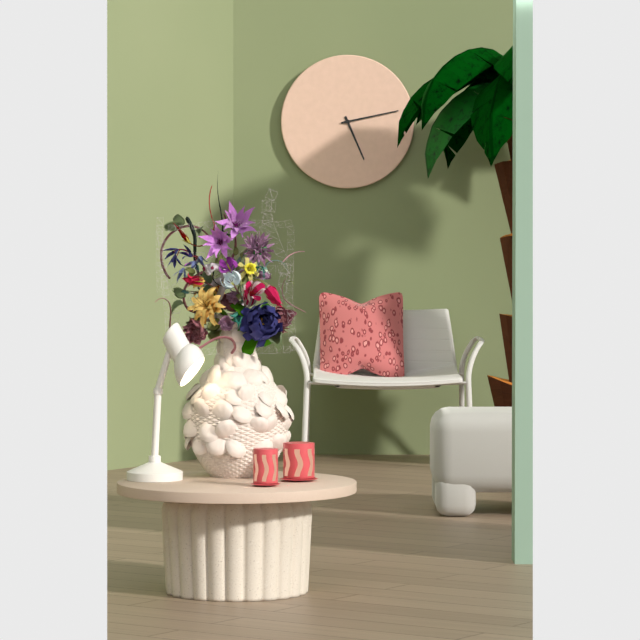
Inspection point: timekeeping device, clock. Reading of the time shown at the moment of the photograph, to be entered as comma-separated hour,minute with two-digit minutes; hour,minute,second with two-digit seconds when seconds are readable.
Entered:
5,13
